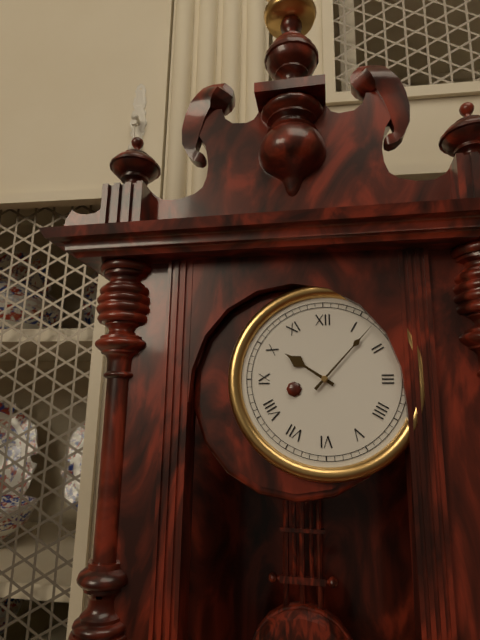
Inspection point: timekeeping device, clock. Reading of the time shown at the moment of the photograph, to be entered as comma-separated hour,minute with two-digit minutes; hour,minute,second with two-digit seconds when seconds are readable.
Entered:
10,07
